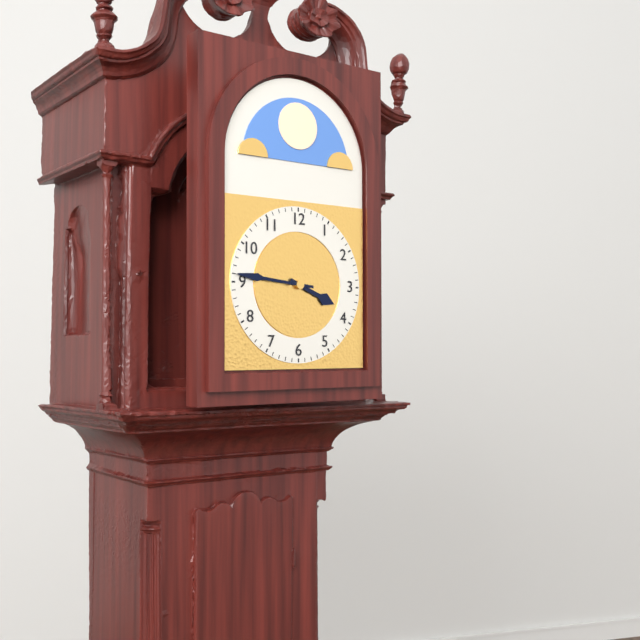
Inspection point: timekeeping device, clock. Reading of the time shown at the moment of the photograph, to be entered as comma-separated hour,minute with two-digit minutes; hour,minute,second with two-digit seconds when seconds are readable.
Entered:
3,46
